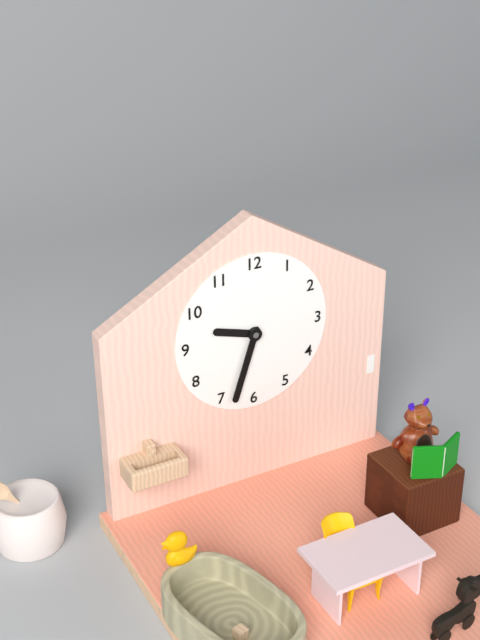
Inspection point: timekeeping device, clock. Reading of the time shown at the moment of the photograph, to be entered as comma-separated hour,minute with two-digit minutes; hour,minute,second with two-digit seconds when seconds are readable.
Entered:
9,33
